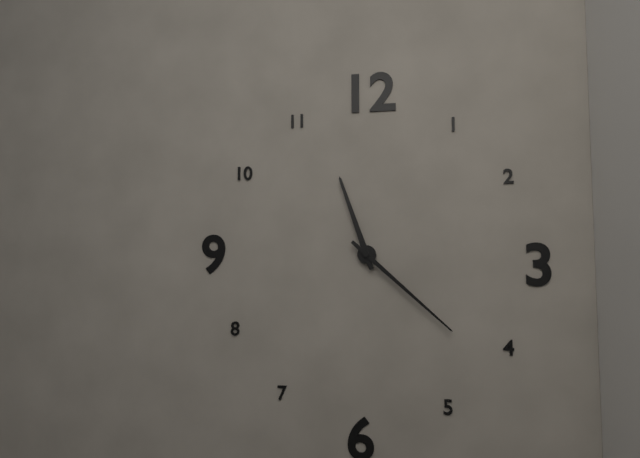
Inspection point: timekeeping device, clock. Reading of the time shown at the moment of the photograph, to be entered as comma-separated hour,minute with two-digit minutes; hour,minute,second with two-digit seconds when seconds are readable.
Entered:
11,22
